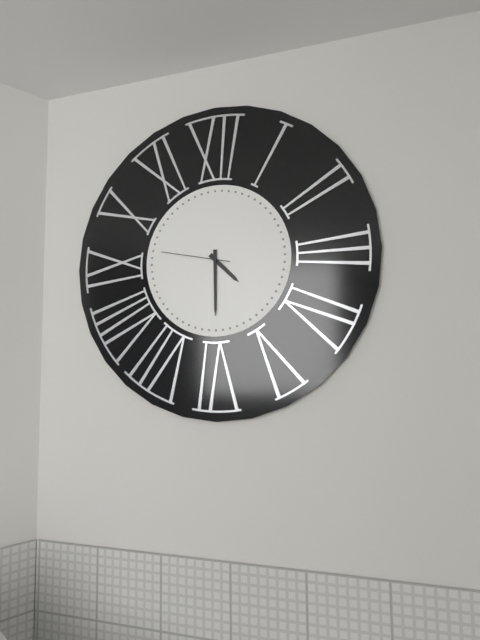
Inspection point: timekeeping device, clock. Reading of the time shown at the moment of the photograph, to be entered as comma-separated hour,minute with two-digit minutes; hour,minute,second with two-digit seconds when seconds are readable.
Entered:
4,30,47
